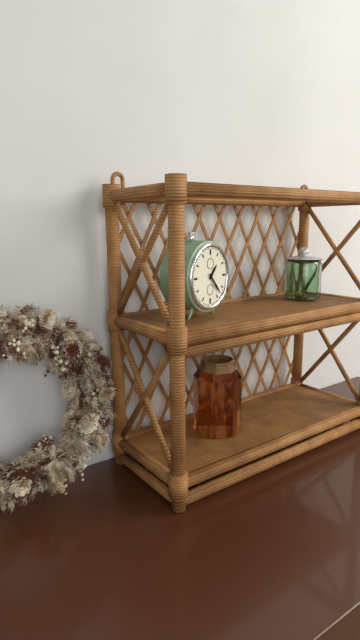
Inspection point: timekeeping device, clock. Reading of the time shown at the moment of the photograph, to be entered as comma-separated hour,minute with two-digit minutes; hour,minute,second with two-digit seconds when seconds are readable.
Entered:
1,23
